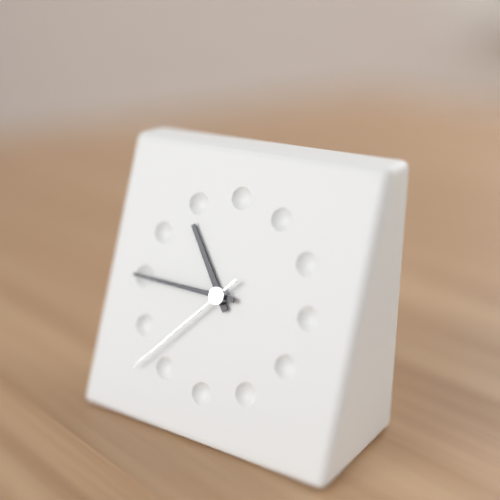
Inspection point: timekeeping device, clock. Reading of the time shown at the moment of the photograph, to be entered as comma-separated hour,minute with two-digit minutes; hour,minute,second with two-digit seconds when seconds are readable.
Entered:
10,45,37
